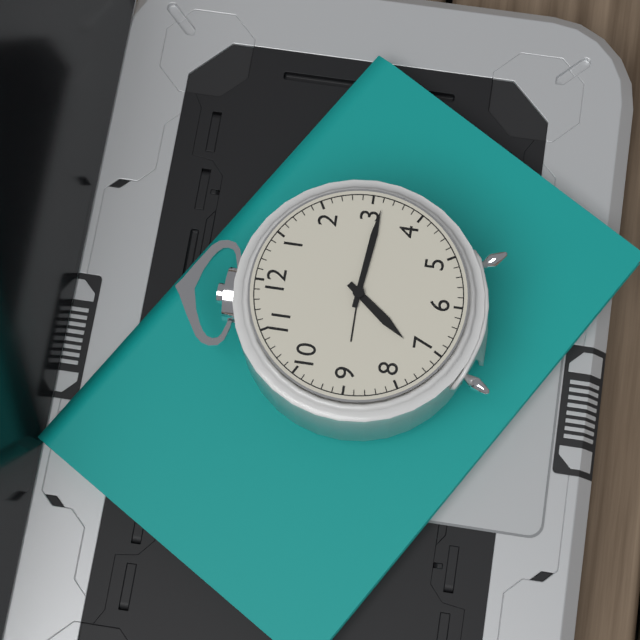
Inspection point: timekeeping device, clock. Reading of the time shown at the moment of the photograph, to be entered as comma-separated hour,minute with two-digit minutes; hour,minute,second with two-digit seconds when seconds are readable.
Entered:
7,16
